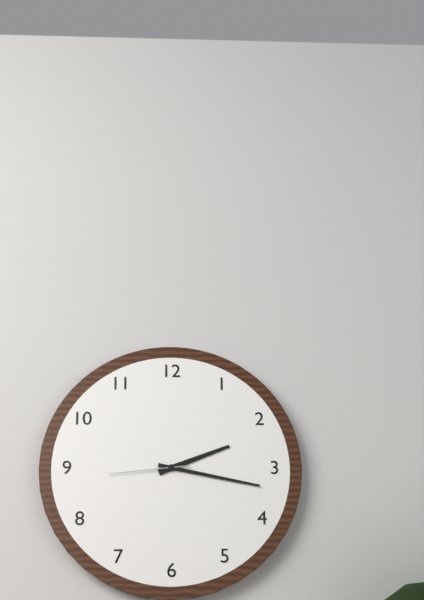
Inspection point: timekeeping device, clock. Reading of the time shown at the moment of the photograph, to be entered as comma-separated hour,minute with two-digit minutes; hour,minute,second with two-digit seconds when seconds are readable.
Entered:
2,17,44
